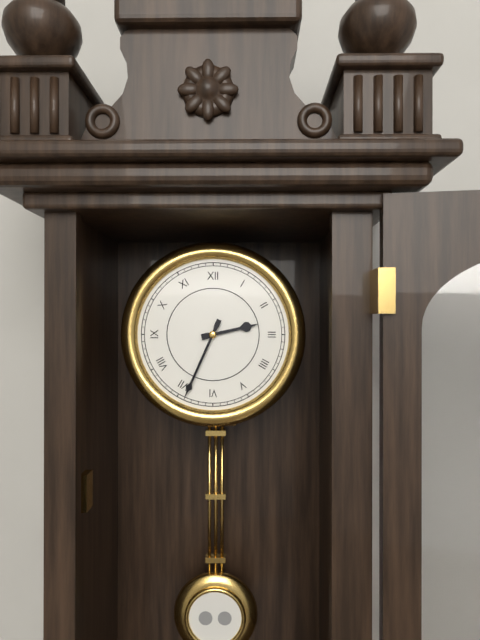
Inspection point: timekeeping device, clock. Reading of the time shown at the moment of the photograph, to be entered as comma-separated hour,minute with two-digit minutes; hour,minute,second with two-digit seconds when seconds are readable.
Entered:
2,34
